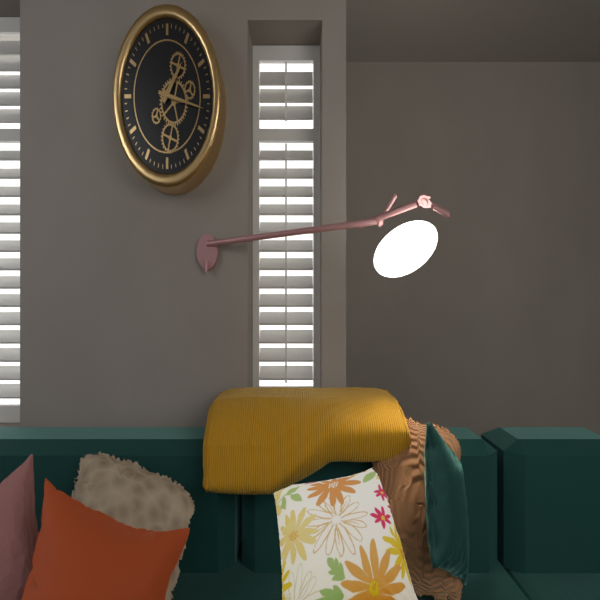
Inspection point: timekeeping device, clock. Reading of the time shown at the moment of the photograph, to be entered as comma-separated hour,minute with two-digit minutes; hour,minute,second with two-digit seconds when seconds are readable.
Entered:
1,17
